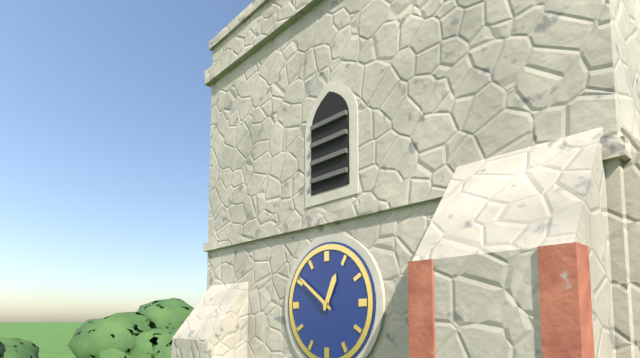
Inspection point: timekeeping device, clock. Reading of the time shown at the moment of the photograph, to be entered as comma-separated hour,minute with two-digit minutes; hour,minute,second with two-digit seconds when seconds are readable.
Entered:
12,51
